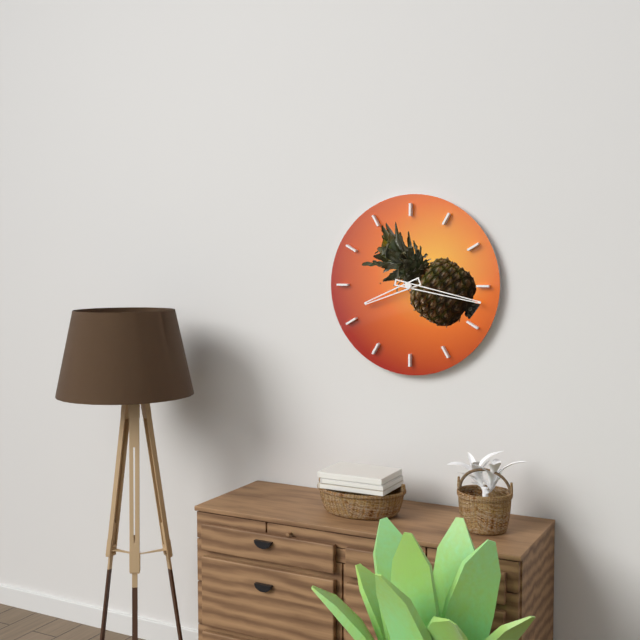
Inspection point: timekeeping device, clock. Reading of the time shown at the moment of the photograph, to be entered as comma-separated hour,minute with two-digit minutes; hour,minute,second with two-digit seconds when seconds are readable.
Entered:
8,17
